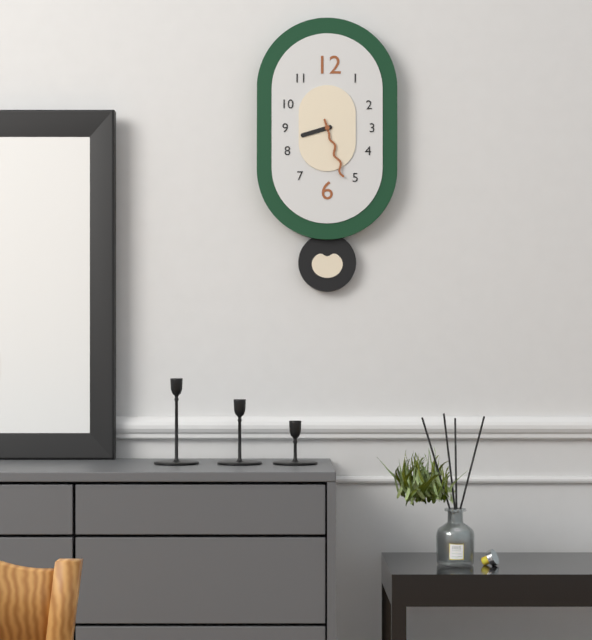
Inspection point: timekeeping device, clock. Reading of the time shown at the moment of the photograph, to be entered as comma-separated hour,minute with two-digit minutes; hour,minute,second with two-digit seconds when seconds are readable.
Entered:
8,27
